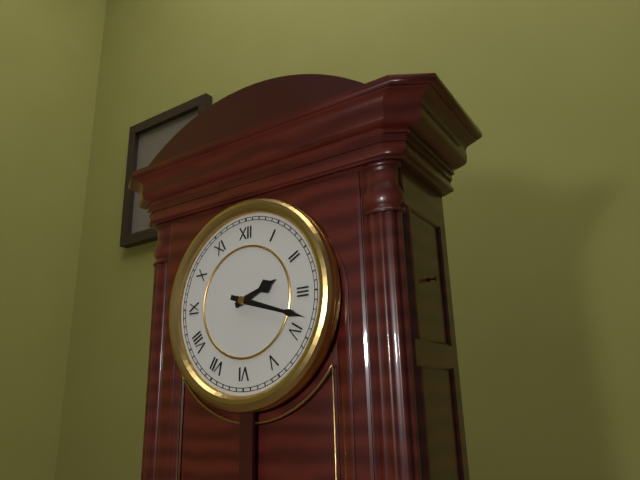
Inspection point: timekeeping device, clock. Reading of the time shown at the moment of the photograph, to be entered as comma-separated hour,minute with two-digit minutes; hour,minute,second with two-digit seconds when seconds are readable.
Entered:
2,18
